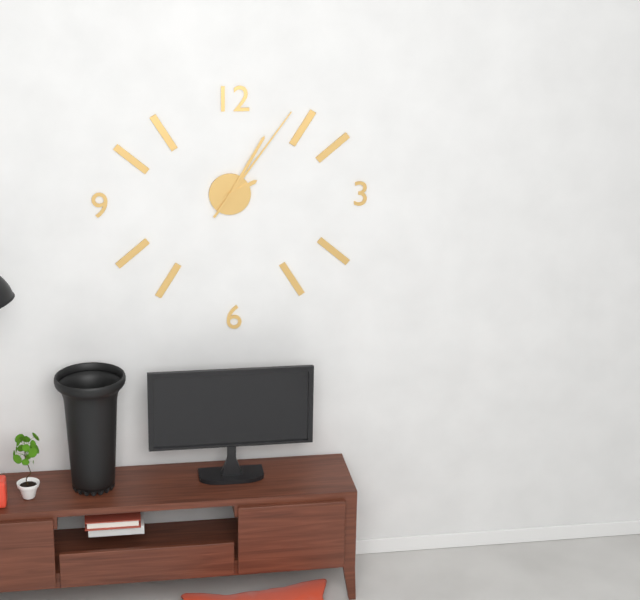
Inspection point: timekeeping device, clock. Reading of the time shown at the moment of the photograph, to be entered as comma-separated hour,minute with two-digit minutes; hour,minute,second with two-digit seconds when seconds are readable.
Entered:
2,05,06
